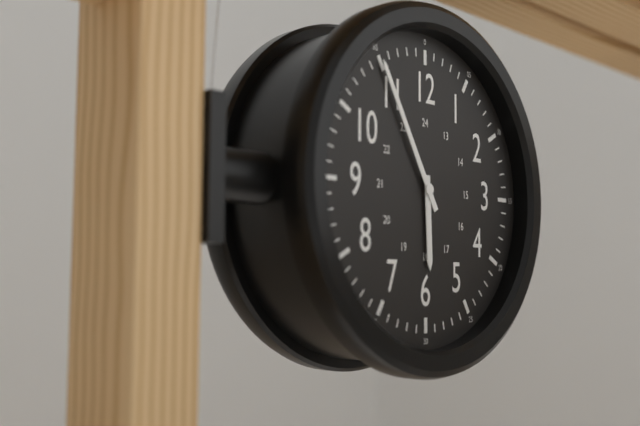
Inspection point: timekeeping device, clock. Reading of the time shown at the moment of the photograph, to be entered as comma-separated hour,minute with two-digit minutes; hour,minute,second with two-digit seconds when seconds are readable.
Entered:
5,55
